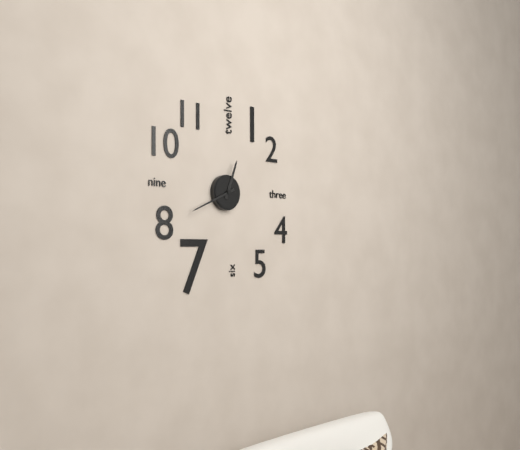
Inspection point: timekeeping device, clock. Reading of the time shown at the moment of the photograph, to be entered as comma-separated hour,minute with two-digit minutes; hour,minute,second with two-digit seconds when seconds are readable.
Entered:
12,41
